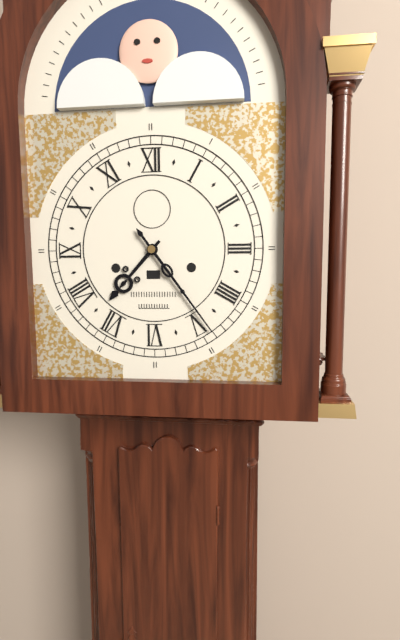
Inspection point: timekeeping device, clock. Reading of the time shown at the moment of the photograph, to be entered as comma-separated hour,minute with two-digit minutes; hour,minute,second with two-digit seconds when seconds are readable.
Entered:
7,24
